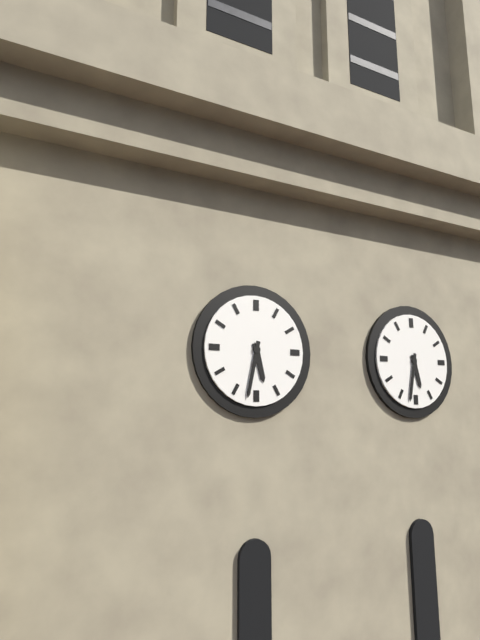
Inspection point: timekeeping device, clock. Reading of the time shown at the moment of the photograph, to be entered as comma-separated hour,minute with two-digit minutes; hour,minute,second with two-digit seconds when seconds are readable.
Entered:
5,32
